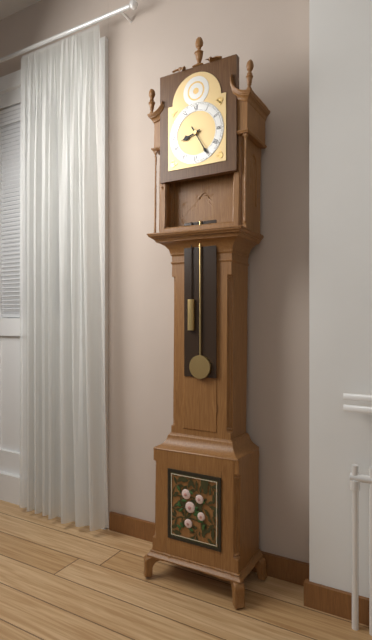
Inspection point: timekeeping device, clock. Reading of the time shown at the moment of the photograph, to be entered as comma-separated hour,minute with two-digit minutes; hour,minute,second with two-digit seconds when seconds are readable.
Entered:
8,25
